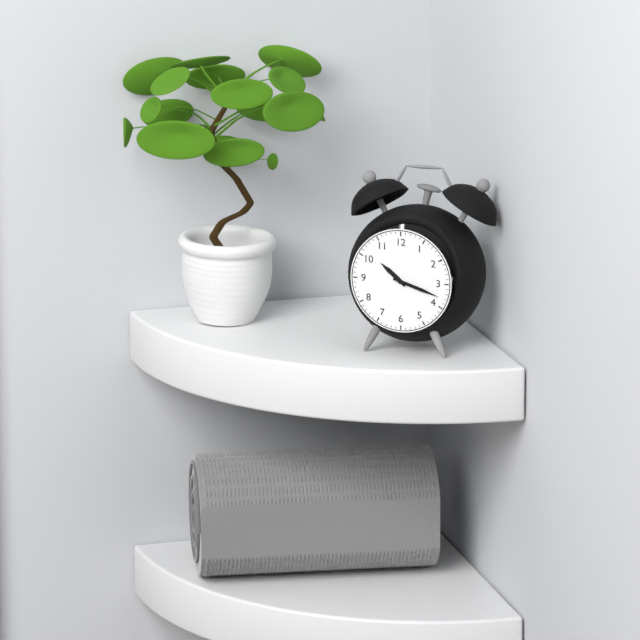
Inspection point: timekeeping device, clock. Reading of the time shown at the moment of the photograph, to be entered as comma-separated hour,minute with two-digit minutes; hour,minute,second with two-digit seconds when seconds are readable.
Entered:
10,18
